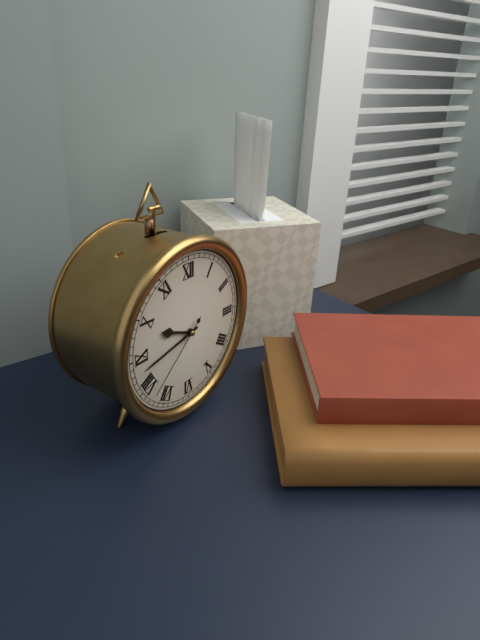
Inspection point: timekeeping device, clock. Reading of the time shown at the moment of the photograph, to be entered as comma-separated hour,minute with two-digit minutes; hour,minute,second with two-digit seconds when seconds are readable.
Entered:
9,43,38
